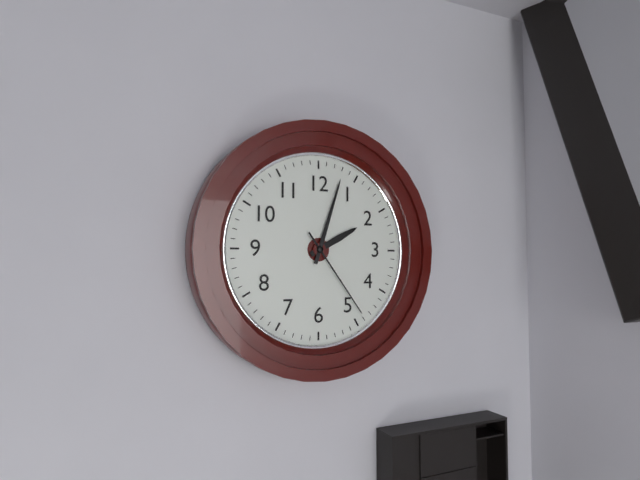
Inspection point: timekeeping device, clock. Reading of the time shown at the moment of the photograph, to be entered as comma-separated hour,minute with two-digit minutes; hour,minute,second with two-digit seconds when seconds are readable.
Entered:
2,03,24
